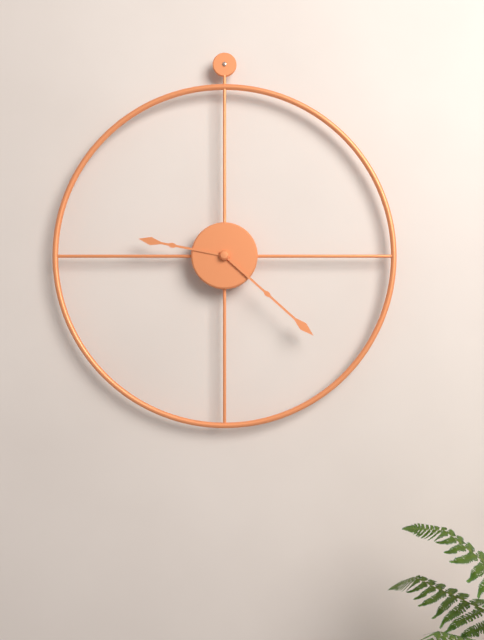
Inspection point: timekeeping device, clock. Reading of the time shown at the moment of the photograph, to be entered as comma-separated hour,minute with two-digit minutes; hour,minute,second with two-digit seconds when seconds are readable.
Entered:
9,22
